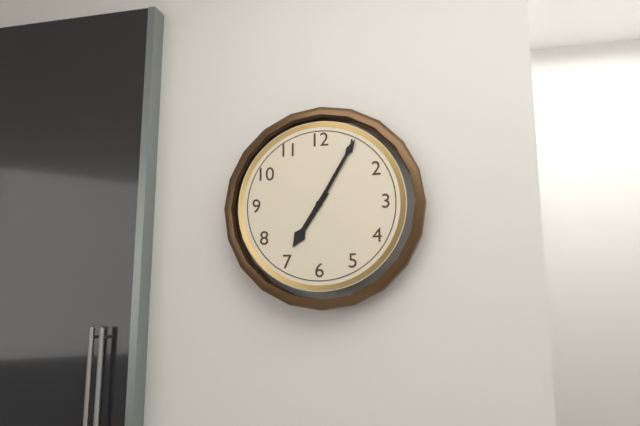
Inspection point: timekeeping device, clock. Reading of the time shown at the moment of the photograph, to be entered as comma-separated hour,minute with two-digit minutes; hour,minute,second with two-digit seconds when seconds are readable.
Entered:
7,05
